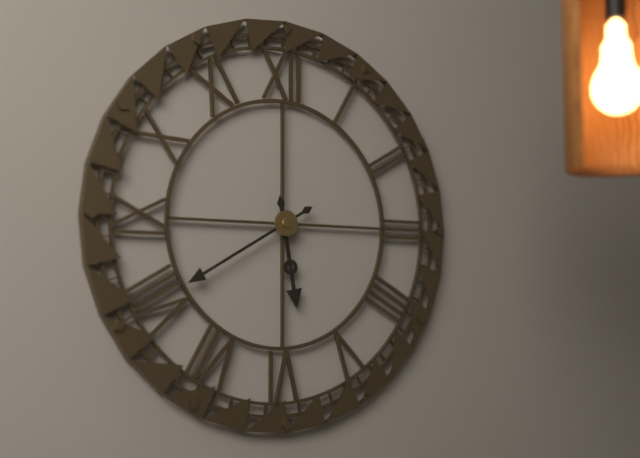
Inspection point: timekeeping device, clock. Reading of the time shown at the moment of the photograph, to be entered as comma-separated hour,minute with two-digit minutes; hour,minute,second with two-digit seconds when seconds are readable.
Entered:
5,40
